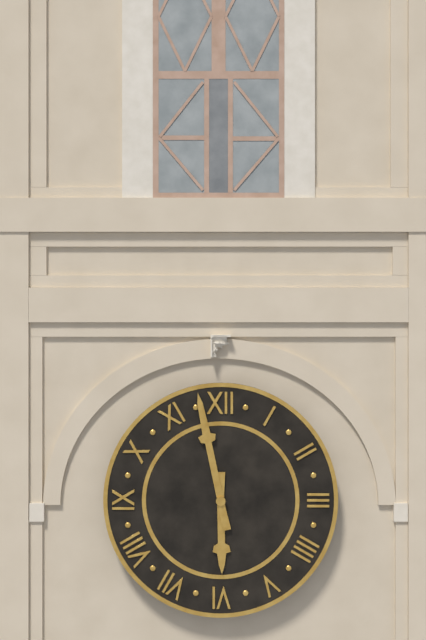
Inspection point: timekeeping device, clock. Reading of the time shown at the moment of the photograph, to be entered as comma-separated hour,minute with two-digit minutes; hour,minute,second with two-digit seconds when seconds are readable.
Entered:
5,58
